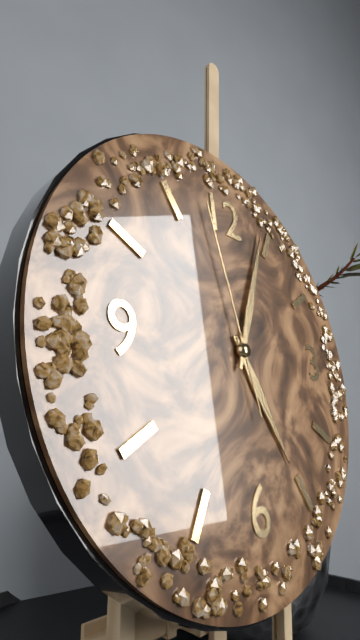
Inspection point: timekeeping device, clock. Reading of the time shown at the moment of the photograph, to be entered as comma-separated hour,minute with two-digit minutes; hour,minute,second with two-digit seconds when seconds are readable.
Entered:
5,04,58
